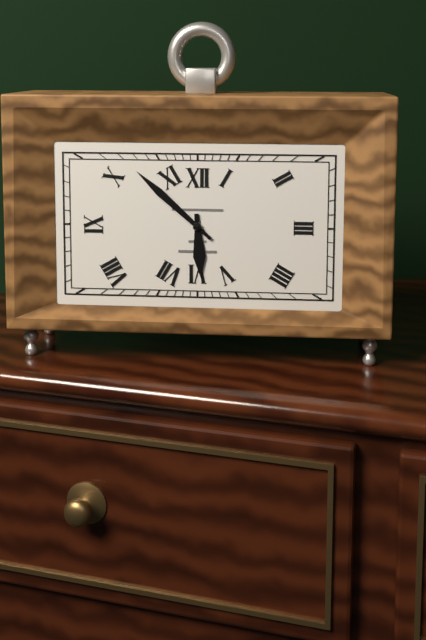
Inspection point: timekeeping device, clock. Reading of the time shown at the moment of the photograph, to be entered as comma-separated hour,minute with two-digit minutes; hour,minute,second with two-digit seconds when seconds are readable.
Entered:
5,52
